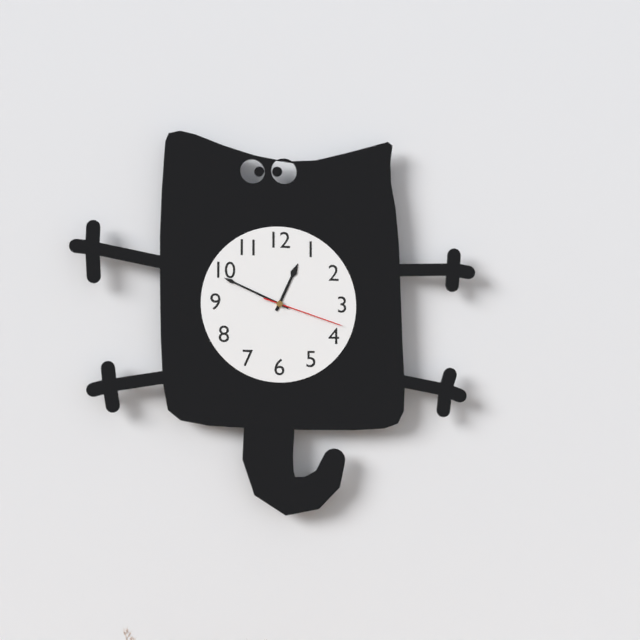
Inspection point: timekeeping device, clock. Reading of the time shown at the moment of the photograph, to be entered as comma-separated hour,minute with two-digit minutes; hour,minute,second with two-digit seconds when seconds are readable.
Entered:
12,49,18
